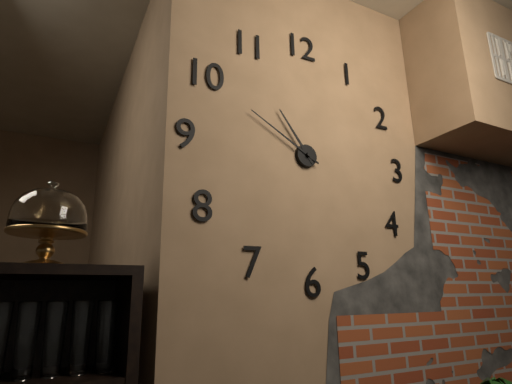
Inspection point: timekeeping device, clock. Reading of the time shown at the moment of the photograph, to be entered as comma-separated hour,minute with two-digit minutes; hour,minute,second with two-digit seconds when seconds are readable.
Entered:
10,50
